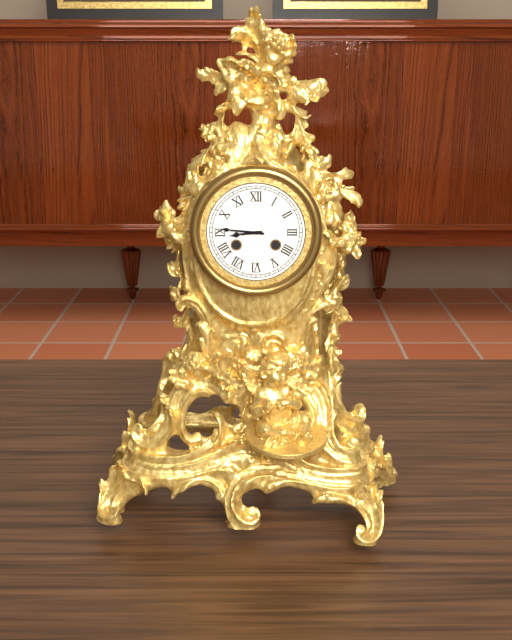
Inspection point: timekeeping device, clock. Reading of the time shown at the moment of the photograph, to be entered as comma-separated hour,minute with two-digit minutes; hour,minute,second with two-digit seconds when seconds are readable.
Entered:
8,46
